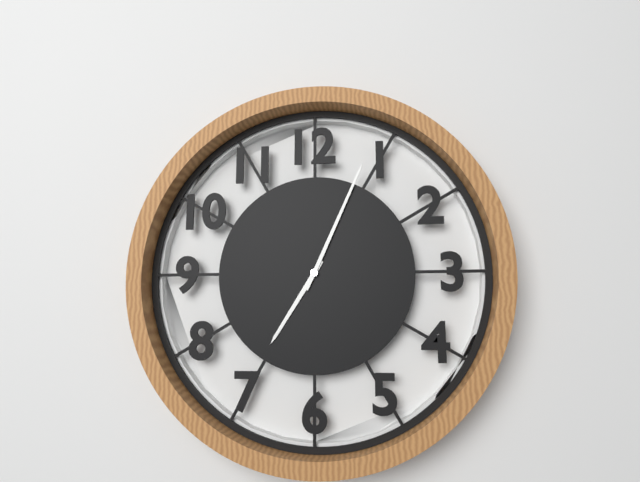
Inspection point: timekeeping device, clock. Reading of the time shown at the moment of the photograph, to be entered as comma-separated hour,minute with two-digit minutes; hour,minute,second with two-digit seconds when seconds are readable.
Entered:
7,04
